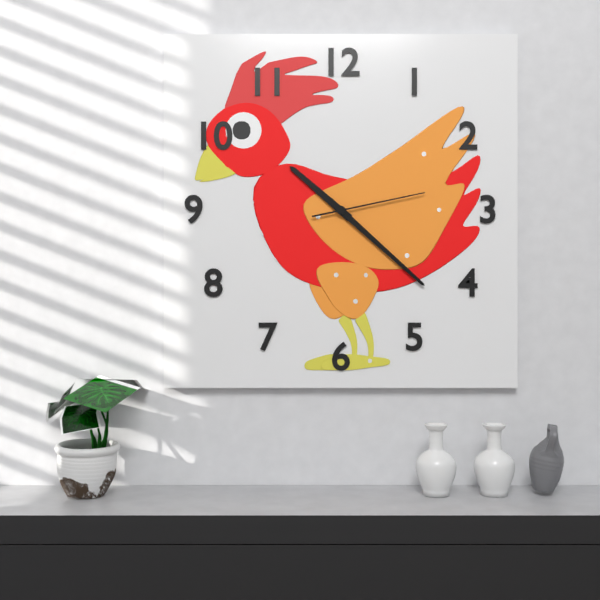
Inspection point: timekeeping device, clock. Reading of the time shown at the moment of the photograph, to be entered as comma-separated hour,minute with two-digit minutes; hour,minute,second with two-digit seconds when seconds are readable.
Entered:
10,22,13
